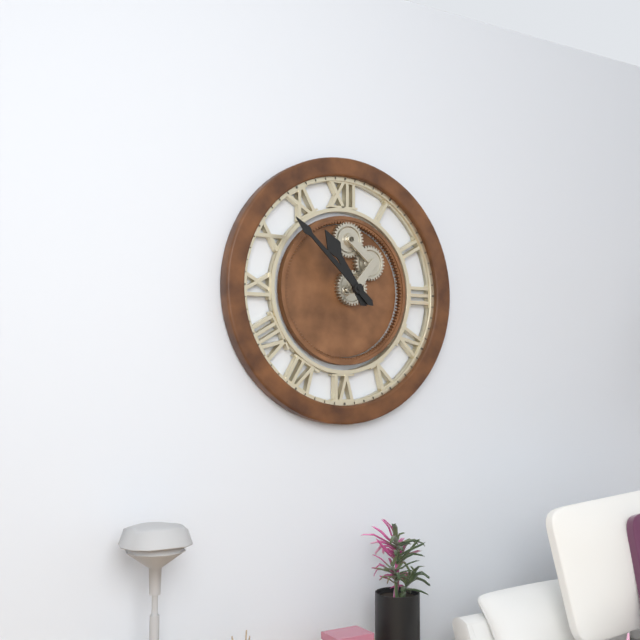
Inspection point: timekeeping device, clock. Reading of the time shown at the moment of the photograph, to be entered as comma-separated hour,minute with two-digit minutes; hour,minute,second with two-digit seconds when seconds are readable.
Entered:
10,52
